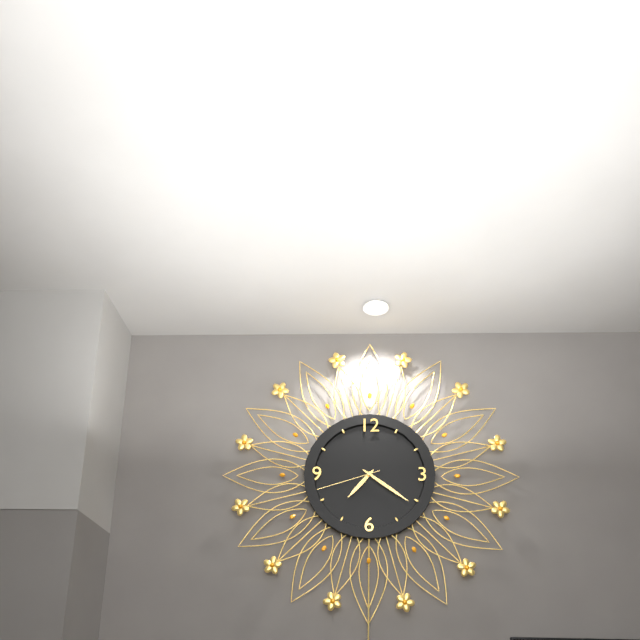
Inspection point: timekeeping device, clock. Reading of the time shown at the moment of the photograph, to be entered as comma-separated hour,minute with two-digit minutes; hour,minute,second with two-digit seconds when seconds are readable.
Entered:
7,21,42
